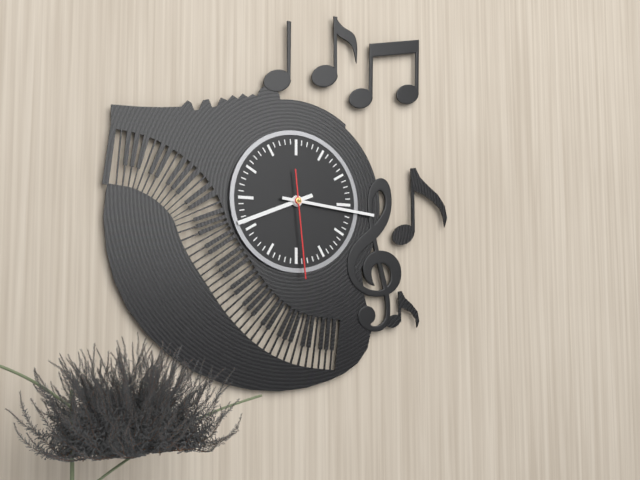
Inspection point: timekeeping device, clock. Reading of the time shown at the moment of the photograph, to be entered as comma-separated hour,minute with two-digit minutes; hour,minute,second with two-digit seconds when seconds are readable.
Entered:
8,16,29
